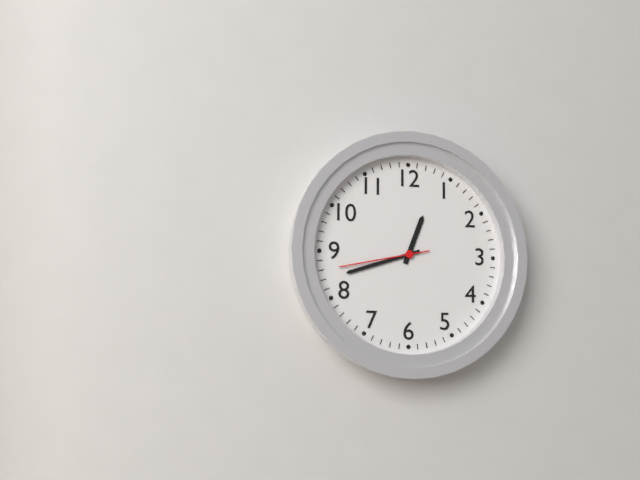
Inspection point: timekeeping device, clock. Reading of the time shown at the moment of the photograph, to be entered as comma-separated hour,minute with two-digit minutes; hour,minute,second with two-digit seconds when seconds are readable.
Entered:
12,42,43
